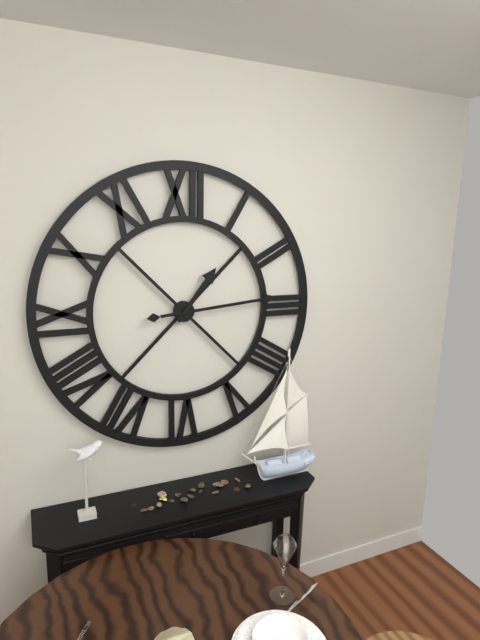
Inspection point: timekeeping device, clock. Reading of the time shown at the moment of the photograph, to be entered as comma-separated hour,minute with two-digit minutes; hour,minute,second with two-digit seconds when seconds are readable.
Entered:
1,14
